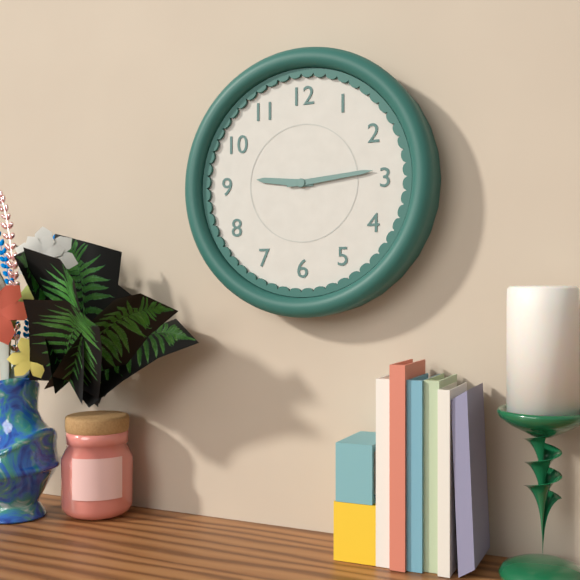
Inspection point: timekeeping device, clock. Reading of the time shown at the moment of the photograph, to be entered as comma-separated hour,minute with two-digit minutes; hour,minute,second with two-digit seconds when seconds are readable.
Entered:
9,14
